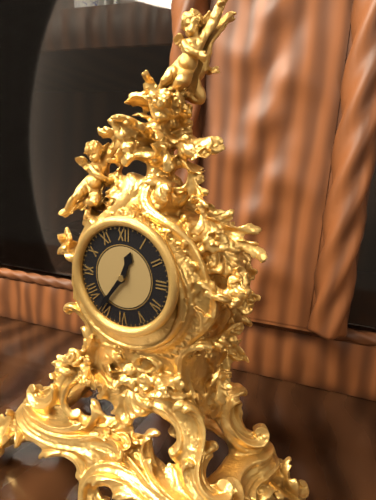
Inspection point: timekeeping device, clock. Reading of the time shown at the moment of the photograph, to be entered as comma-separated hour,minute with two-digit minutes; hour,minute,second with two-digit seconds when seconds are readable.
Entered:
12,36
